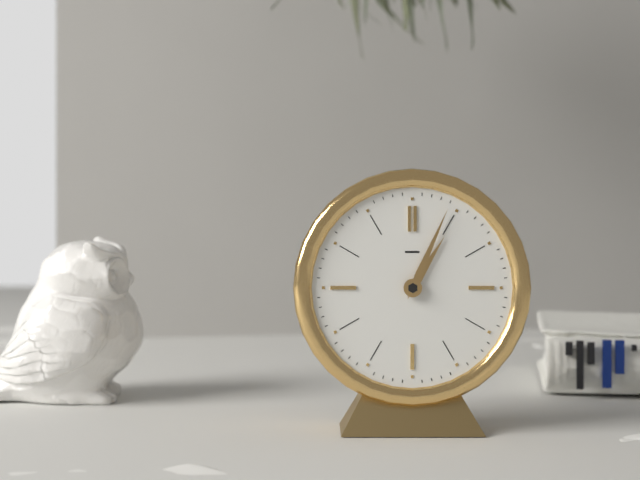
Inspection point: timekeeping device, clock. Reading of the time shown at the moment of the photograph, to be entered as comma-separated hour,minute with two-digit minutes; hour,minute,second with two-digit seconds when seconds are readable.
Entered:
1,04
